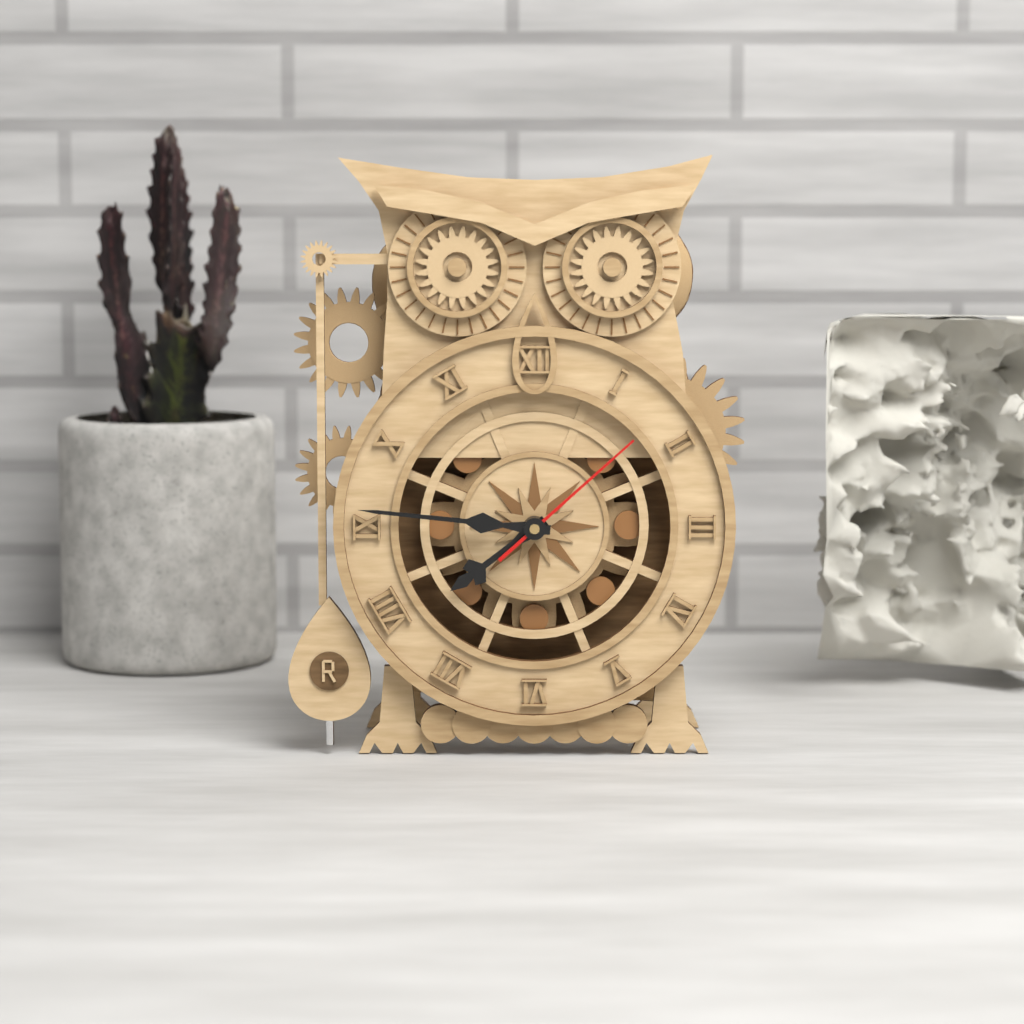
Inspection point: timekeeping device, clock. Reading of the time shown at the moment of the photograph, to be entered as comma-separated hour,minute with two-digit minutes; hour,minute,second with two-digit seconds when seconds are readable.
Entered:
7,46,08
